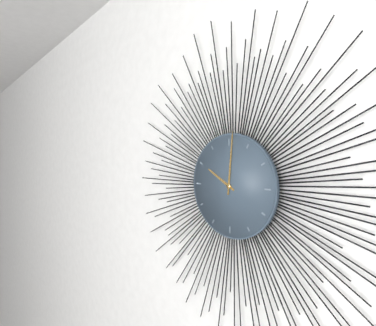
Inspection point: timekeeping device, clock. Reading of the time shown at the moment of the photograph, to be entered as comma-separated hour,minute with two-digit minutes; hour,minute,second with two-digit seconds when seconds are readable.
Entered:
10,01
